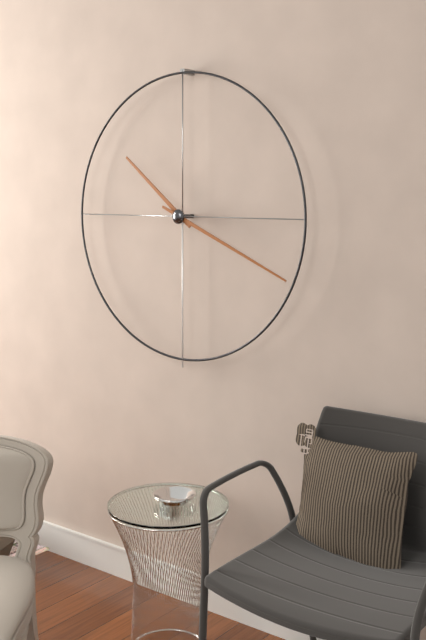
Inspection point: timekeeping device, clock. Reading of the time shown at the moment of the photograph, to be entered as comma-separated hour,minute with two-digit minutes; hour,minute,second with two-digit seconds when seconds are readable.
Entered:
10,19
